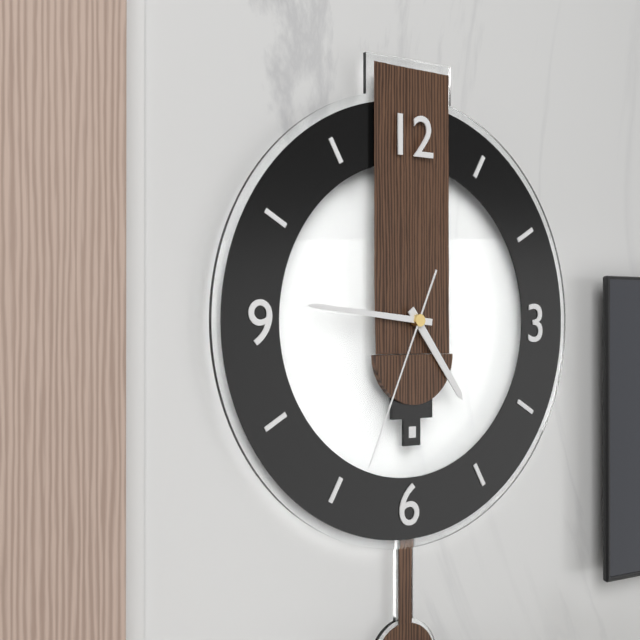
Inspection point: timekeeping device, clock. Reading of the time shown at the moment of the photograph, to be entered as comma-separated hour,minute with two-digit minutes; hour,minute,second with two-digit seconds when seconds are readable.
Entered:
4,46,34
